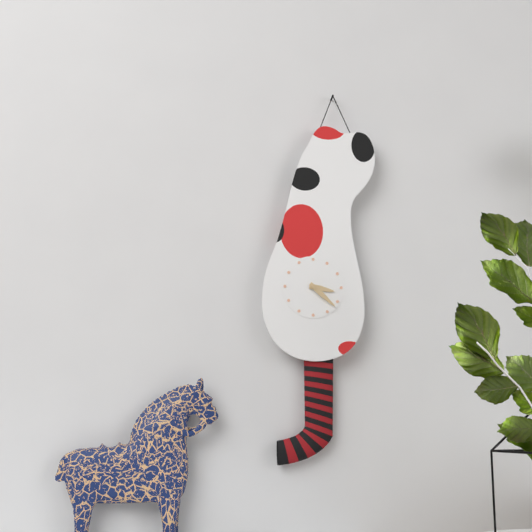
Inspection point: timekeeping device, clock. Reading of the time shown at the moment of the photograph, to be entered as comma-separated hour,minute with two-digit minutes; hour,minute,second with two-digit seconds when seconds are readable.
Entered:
3,22
